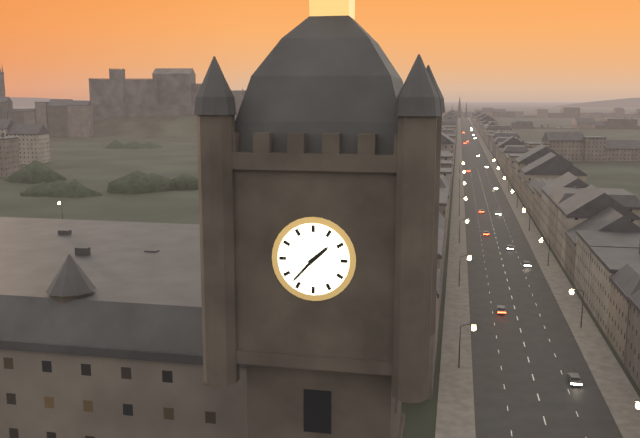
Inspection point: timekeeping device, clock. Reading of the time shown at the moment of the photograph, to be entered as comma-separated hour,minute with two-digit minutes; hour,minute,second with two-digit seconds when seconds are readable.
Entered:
1,37
